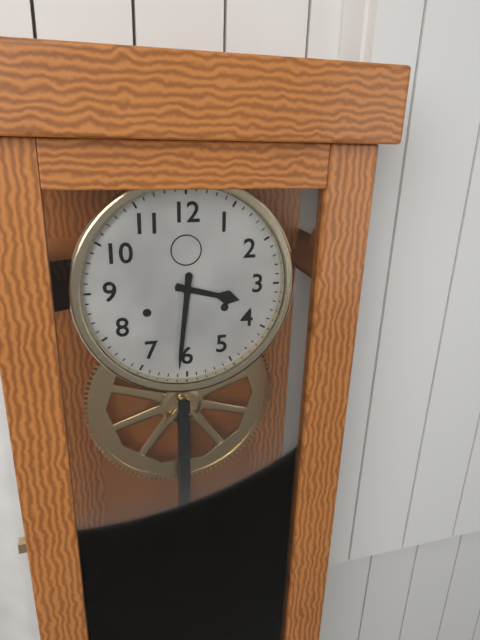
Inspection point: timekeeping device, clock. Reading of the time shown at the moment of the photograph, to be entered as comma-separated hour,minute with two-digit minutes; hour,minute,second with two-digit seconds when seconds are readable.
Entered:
3,31
